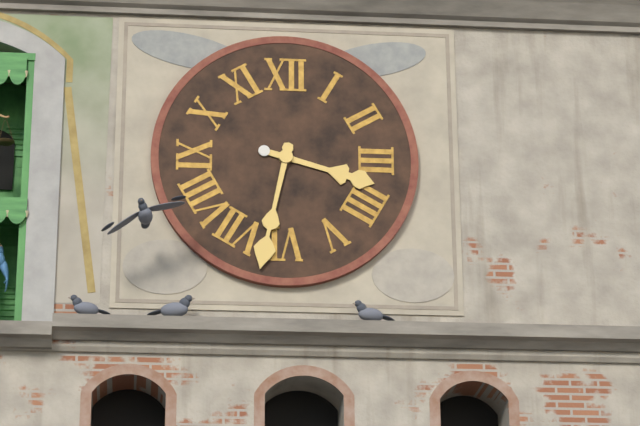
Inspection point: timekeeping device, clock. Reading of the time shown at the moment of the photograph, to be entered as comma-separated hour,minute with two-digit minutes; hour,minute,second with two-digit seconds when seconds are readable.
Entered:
3,32
